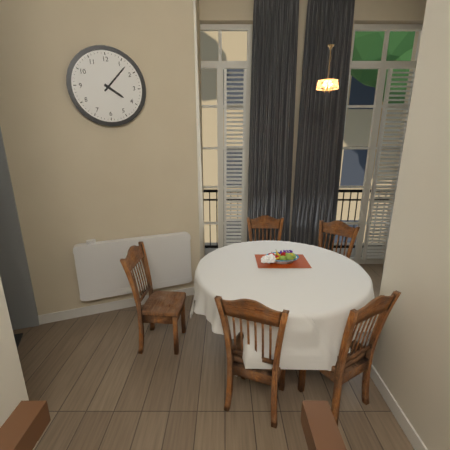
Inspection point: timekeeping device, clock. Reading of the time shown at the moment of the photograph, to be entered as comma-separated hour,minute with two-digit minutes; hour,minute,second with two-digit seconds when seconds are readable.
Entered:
4,07
